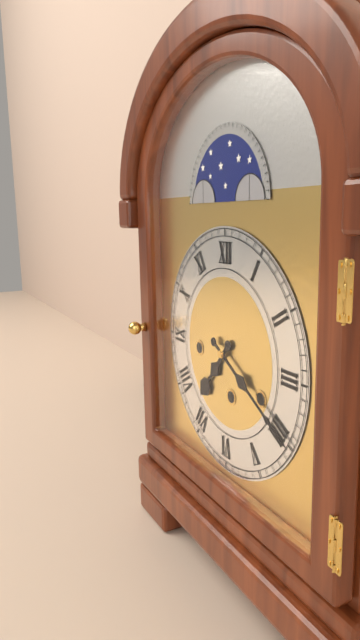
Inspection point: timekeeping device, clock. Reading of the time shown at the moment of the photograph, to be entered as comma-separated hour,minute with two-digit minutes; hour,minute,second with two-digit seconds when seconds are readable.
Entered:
7,20
